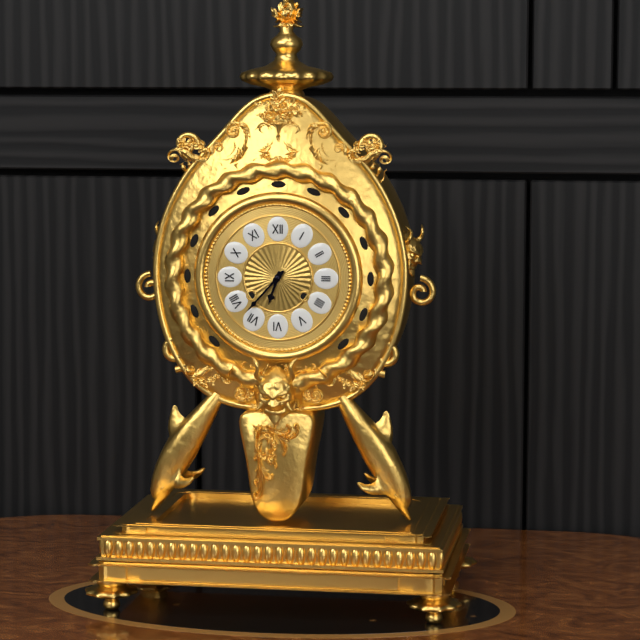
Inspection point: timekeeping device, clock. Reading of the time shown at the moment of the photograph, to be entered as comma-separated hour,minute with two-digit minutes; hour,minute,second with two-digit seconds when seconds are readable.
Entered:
6,37
